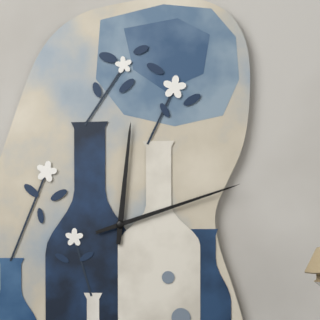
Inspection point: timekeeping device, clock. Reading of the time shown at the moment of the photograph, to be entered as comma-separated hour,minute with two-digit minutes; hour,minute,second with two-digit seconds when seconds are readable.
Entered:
12,12
